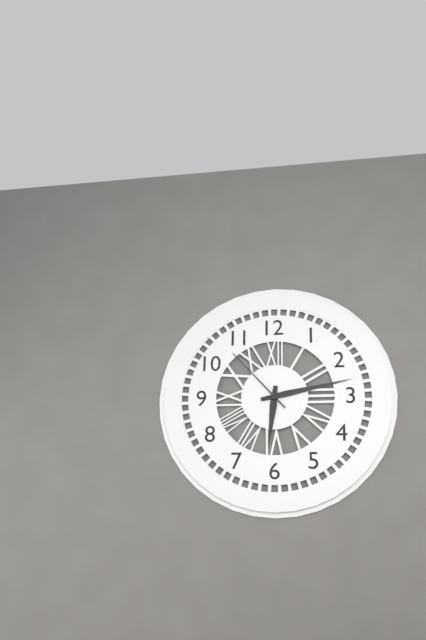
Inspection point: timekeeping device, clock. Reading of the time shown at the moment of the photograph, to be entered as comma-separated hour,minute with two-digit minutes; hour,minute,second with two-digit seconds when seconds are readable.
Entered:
6,13,53
